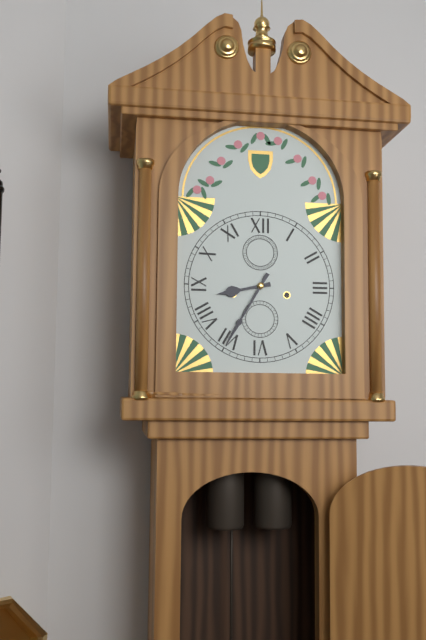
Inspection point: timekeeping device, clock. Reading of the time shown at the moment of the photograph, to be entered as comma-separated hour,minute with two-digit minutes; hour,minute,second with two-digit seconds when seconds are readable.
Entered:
8,35
